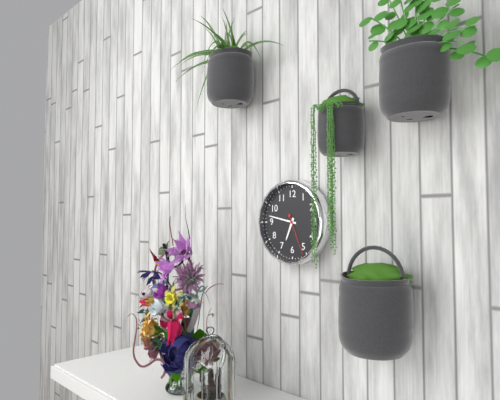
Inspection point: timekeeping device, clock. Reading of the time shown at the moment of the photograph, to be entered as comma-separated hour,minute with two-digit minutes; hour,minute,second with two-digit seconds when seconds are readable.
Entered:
6,47
